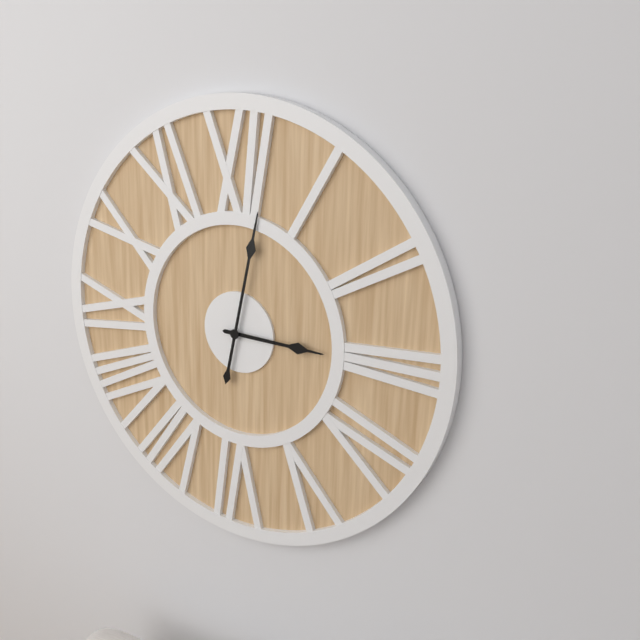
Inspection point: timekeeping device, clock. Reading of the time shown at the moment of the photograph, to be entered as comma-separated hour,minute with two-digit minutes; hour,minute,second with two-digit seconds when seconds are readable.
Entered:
3,02
